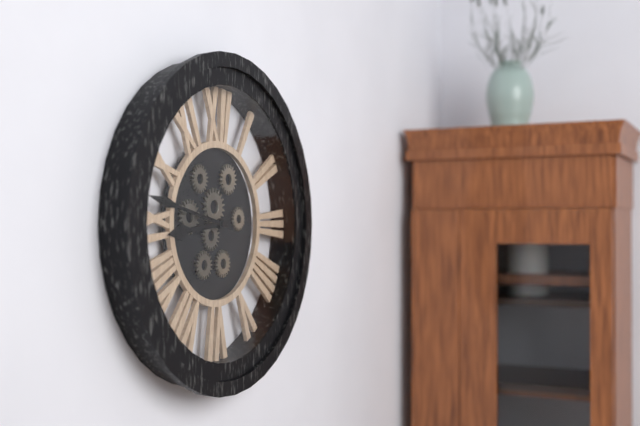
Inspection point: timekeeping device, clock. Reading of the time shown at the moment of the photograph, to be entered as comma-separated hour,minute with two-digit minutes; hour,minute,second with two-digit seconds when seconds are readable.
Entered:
8,47
